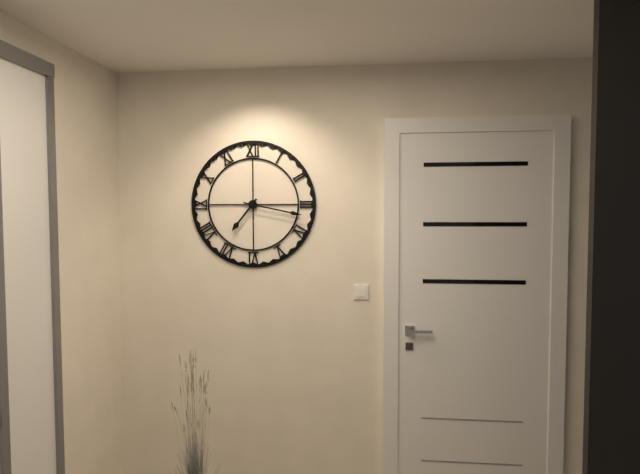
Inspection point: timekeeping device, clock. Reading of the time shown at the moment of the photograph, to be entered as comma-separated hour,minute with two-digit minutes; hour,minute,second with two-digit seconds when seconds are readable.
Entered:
7,17
